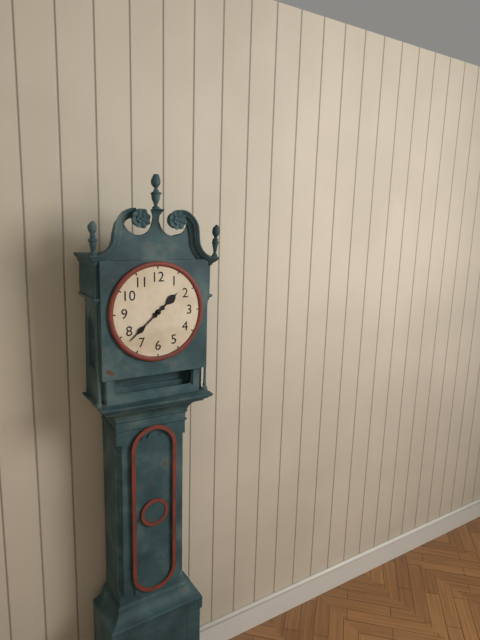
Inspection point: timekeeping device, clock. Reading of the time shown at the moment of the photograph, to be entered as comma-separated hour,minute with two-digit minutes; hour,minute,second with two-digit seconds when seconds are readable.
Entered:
1,38
